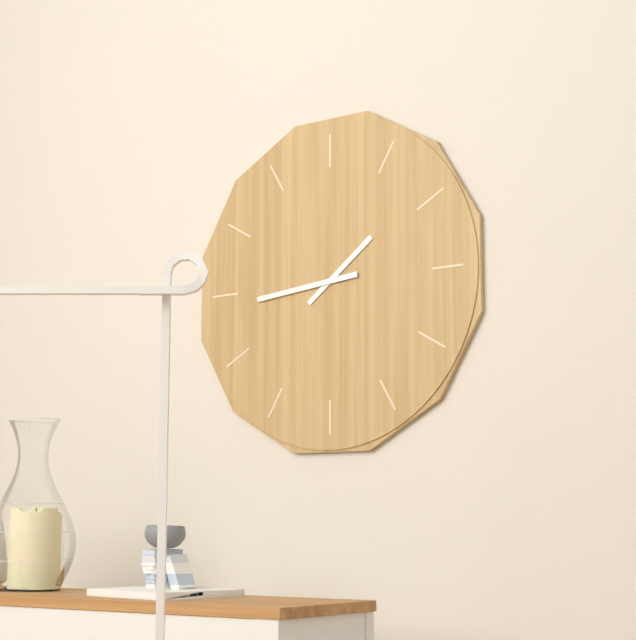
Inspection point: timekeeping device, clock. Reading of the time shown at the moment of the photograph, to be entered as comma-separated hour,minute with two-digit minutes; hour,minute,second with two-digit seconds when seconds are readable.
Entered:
1,44
